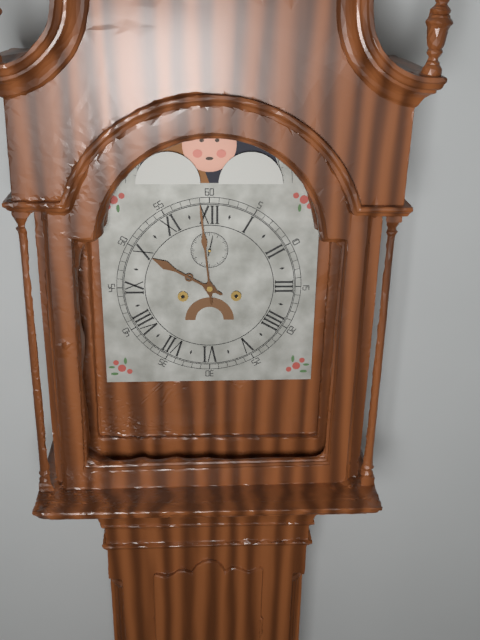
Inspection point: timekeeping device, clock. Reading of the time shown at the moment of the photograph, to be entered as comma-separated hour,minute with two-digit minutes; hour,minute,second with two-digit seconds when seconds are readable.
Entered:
9,59
